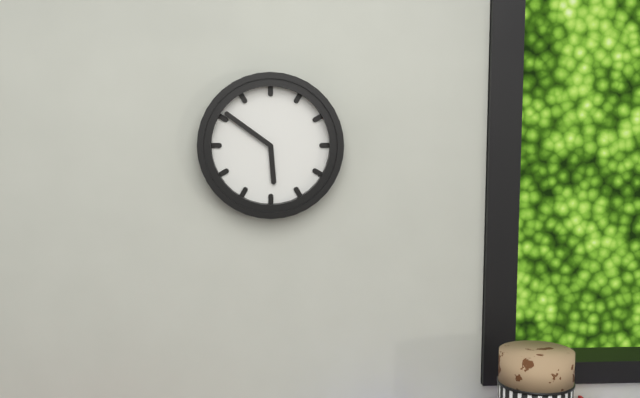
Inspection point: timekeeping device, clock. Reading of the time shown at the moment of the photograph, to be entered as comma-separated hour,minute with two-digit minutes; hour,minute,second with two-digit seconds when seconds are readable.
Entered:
5,51
